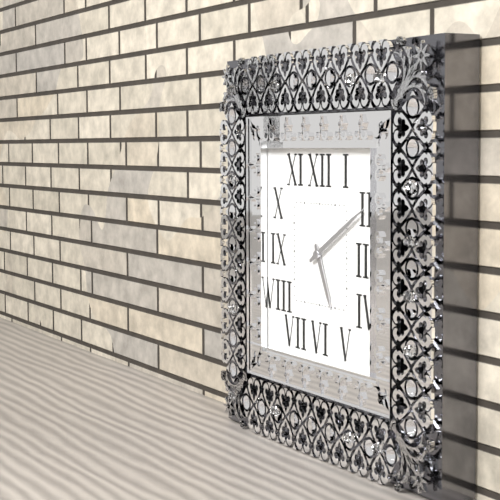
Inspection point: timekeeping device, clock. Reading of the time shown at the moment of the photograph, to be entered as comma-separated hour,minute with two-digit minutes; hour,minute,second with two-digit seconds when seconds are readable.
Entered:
5,10
